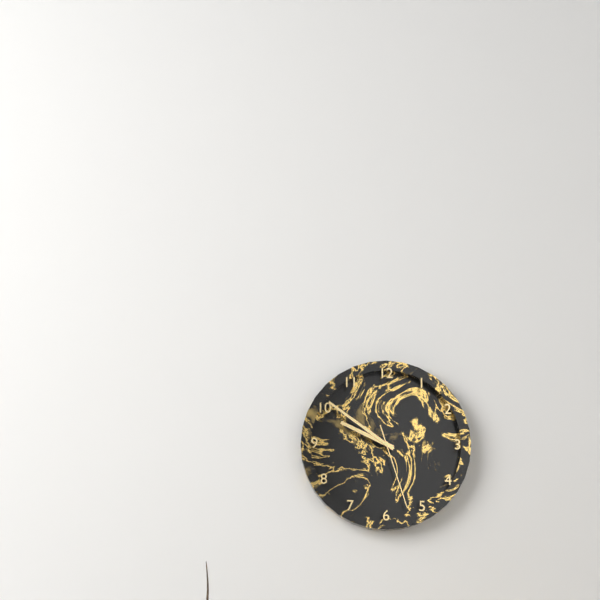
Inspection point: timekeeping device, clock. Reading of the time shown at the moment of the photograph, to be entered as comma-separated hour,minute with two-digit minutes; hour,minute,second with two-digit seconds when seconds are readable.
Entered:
9,51,27
